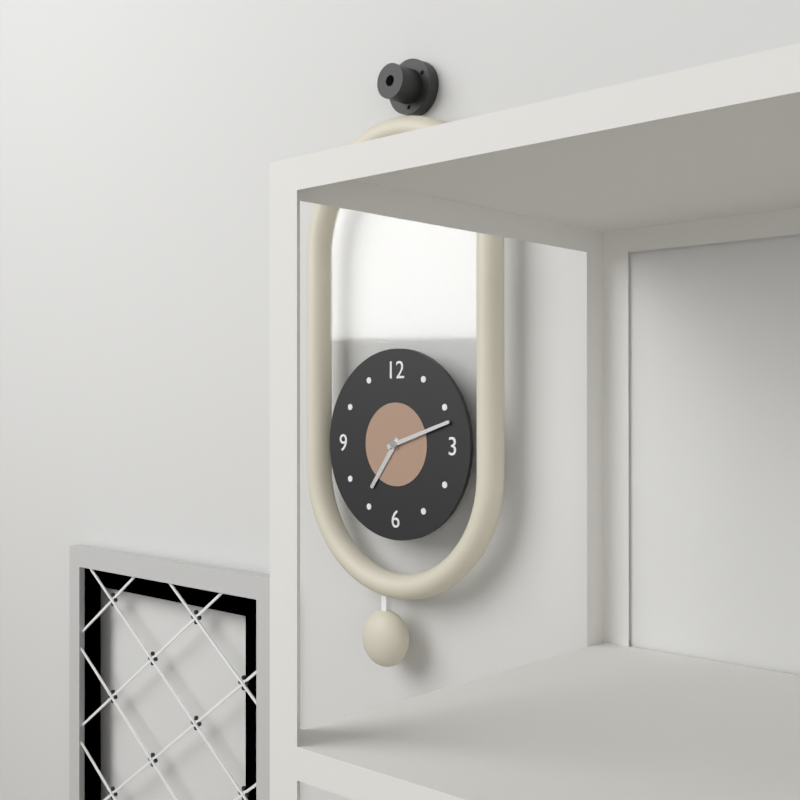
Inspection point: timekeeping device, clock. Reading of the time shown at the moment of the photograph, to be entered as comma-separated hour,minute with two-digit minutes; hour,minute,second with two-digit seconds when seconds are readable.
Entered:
7,12
